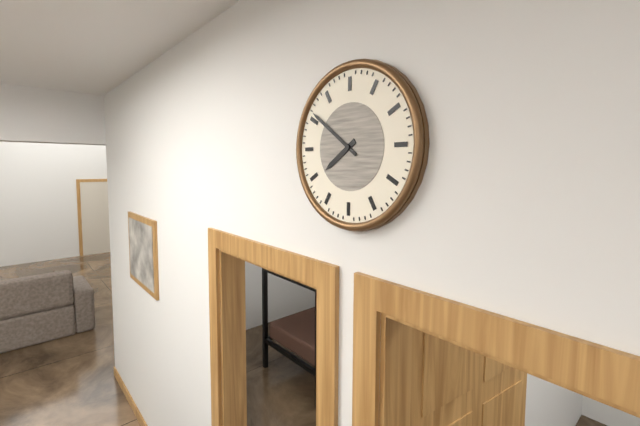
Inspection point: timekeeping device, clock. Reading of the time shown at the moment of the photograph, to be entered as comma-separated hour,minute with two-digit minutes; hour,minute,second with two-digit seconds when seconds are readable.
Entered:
7,51
